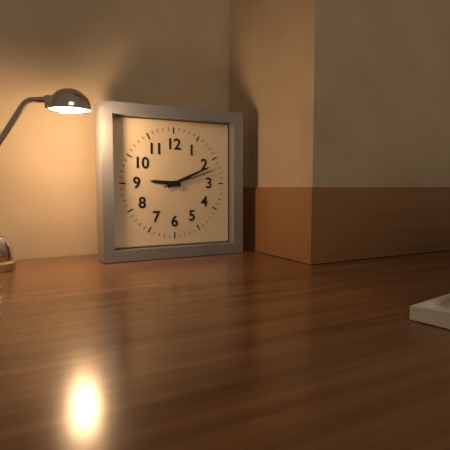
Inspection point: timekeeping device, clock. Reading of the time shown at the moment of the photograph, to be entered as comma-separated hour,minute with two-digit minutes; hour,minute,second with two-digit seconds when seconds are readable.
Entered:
9,11,12
